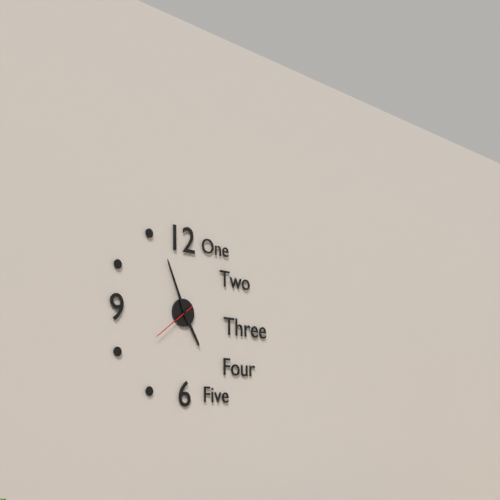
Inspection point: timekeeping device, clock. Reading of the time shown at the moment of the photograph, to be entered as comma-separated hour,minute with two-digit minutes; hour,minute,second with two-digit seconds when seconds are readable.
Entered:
4,56
